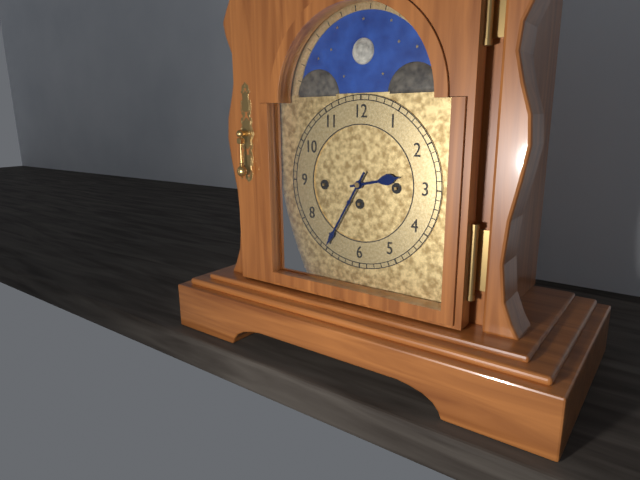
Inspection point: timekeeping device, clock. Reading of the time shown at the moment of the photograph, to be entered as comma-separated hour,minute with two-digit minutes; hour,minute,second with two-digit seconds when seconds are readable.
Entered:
2,35
